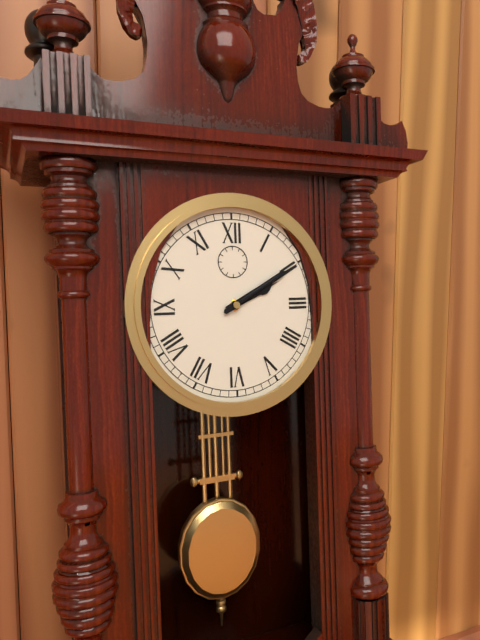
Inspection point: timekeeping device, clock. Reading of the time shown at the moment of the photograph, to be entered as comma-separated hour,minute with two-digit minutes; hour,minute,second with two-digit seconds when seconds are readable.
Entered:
2,10
